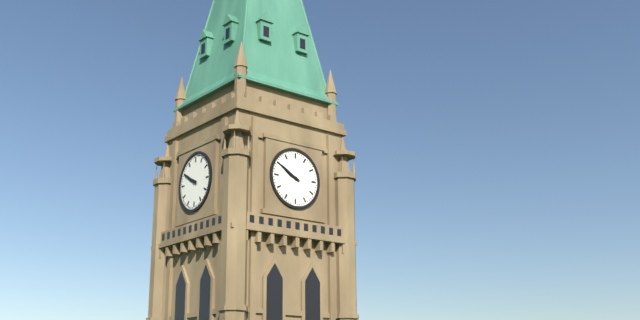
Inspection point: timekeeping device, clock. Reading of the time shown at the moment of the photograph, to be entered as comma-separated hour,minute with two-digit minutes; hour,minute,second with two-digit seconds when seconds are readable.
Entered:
9,50
